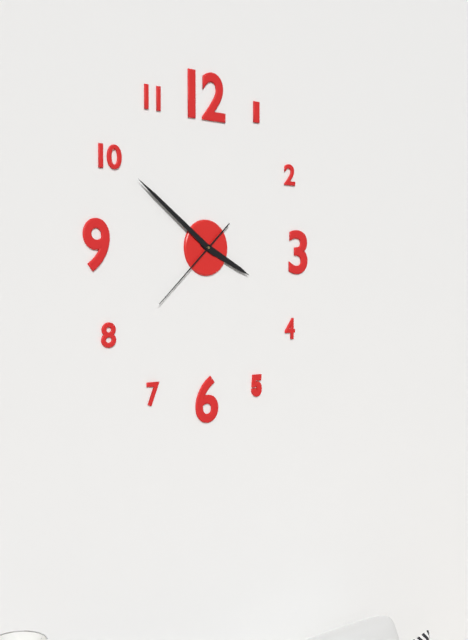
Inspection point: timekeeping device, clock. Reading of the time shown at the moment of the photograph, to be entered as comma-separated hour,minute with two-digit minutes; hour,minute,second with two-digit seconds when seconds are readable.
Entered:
3,51,38
